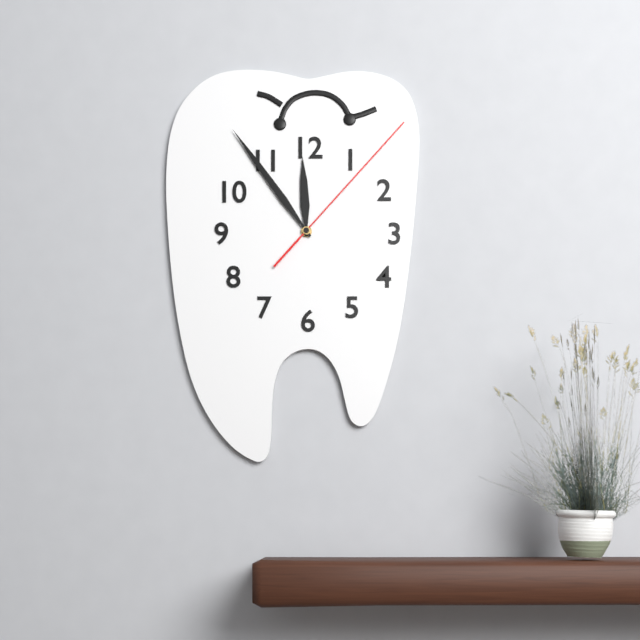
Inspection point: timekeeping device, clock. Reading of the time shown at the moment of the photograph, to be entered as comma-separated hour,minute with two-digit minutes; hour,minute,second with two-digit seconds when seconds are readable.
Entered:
11,54,07
